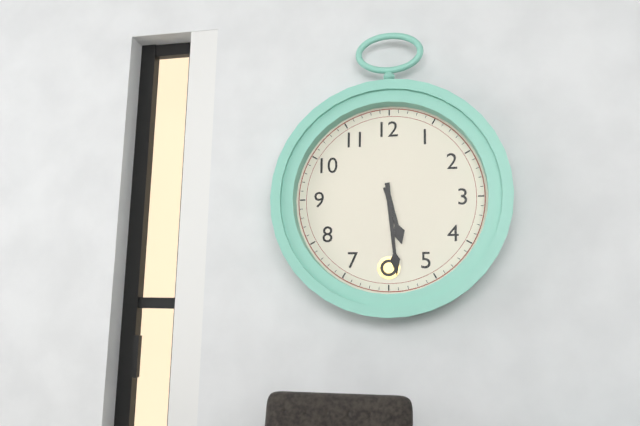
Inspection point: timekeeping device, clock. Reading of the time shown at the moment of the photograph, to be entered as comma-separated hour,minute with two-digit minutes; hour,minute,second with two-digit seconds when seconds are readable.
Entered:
5,29
